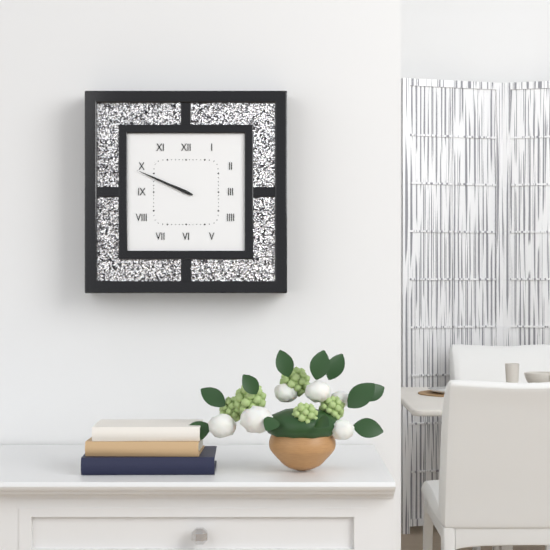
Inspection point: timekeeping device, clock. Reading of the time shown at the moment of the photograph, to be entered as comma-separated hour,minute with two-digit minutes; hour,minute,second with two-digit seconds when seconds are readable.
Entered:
9,49
